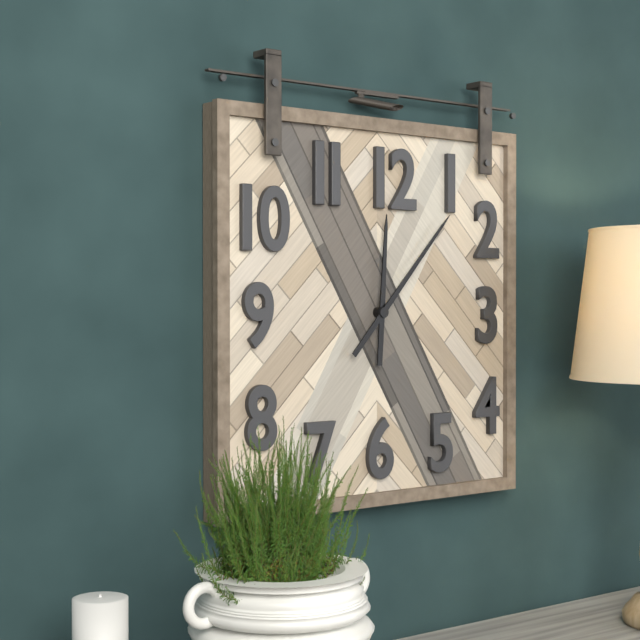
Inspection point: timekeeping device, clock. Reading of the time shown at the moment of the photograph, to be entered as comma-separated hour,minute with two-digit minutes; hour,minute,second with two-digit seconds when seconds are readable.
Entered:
12,07
